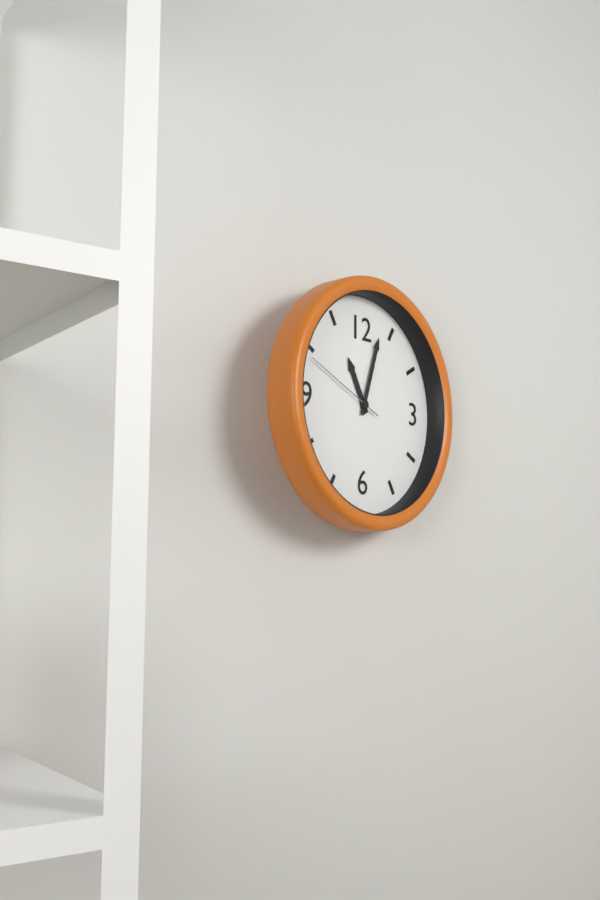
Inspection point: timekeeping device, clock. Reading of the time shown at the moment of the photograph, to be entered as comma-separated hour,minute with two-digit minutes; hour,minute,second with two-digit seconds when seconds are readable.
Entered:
11,03,49
